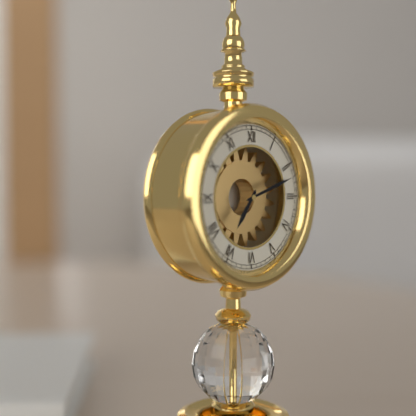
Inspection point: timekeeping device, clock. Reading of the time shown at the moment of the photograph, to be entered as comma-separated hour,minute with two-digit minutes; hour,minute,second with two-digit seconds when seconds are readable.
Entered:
7,12
